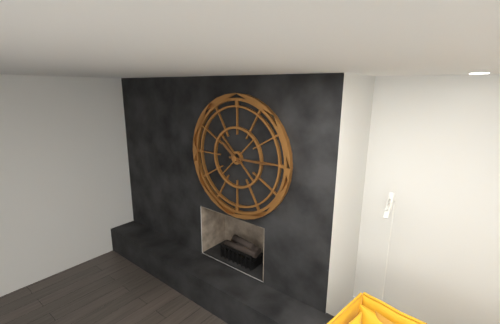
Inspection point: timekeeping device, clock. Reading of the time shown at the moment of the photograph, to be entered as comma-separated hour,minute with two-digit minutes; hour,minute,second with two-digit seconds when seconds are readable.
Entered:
10,15
